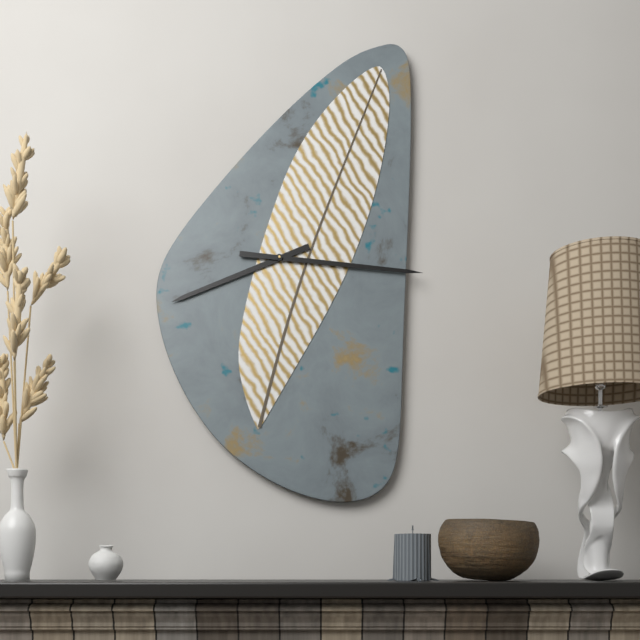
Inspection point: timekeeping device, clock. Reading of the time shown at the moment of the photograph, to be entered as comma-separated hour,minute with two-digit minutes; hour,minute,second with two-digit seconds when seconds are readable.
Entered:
8,16
